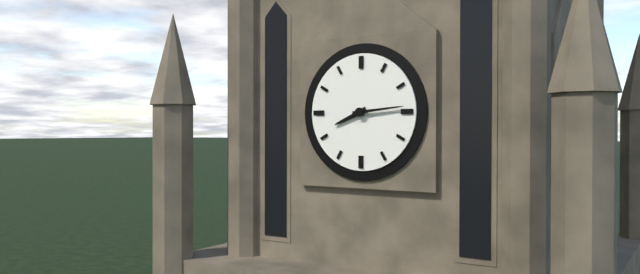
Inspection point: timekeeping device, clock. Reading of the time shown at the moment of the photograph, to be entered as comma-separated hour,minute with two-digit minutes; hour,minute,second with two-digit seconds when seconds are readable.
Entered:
8,14
